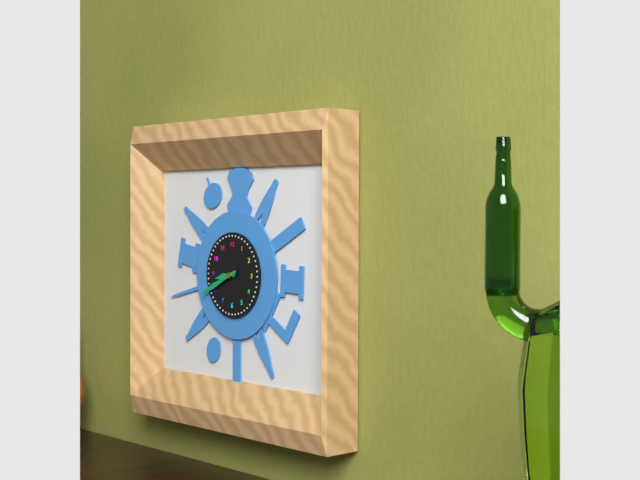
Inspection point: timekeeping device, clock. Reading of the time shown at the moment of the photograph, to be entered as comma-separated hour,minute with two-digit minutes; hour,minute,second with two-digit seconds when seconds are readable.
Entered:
8,41
